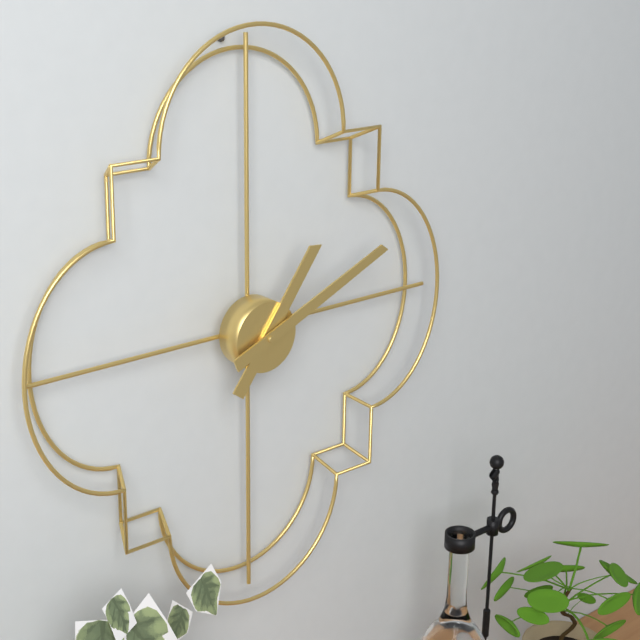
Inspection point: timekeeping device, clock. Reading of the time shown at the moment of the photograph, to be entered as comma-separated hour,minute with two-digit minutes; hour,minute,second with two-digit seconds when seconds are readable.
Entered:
1,11
